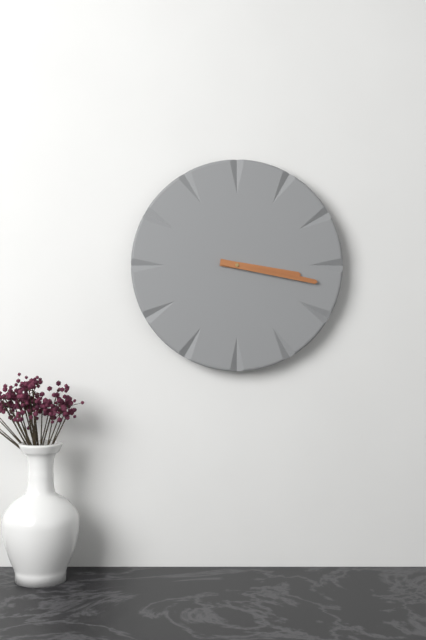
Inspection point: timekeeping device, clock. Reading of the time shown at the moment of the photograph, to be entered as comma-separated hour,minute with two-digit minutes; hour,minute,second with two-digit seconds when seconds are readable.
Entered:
3,17
